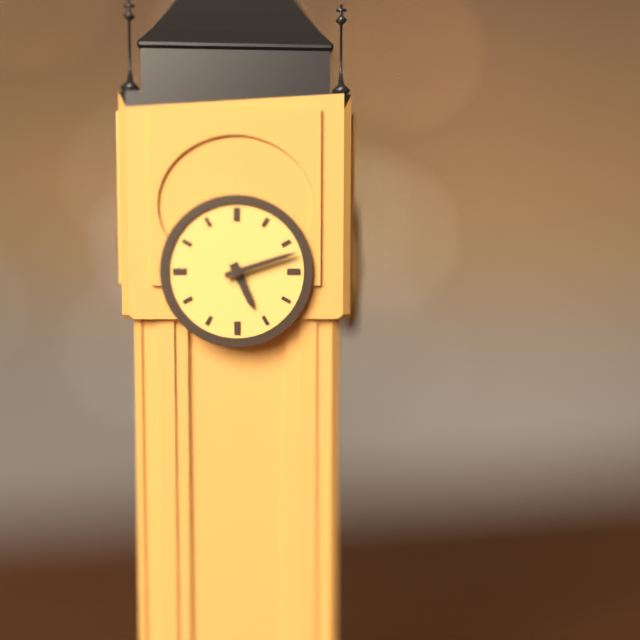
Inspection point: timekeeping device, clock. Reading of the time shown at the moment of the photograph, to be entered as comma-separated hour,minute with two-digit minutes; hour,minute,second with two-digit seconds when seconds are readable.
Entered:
5,12
